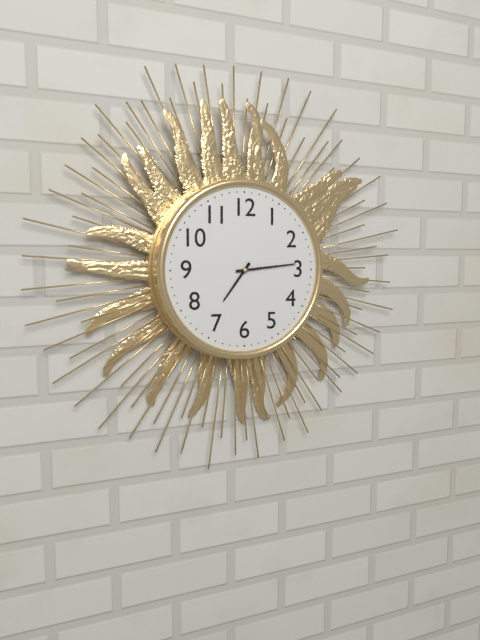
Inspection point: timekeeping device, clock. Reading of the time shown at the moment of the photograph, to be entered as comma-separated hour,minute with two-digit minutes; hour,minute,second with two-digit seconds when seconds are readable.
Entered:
7,14
